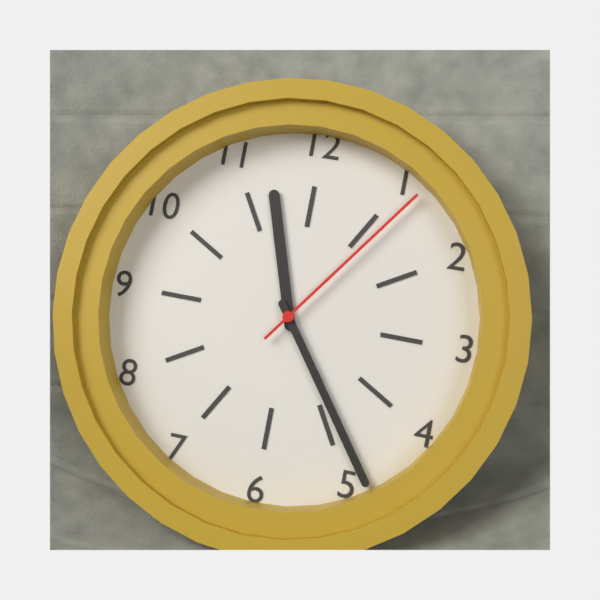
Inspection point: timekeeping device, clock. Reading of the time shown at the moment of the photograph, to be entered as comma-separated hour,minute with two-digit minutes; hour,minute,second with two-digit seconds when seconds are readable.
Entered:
11,24,06
